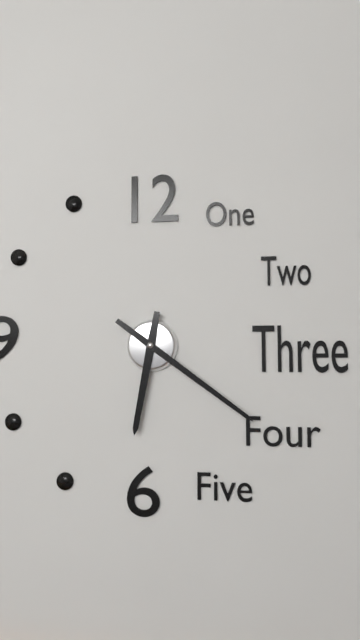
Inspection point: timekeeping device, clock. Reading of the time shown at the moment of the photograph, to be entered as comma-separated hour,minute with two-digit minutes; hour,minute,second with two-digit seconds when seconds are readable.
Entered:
6,21
